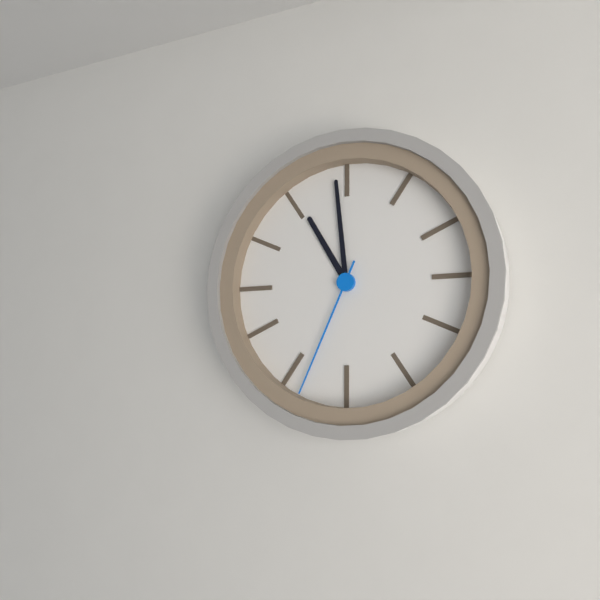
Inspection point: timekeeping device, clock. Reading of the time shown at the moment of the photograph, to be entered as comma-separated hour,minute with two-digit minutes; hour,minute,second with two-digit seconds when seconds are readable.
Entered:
10,59,34
